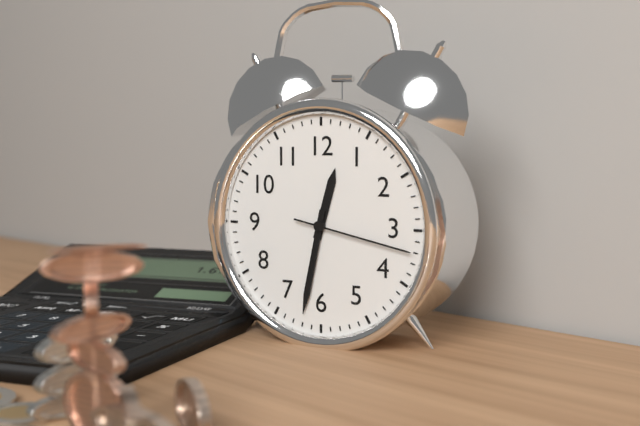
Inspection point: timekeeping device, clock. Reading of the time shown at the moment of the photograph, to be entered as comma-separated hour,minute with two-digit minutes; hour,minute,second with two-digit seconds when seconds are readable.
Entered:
12,32,17
